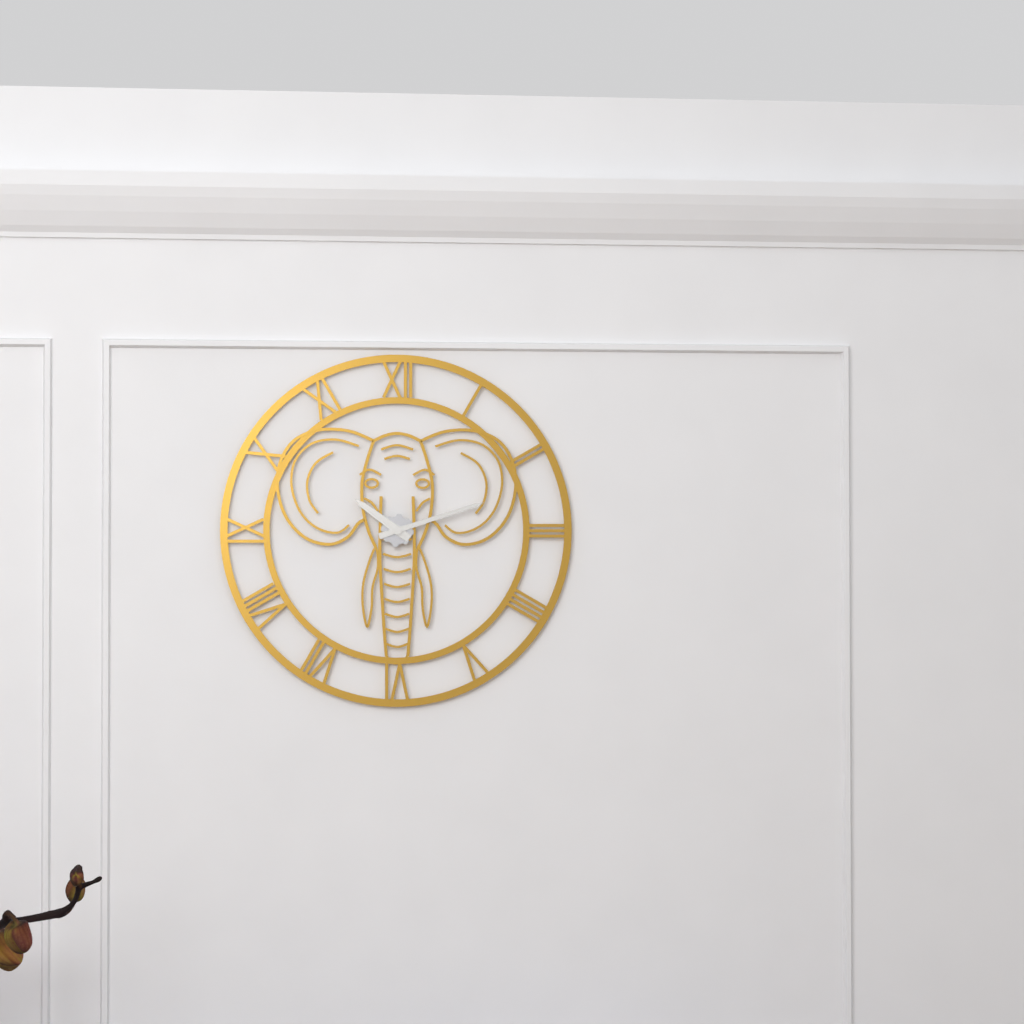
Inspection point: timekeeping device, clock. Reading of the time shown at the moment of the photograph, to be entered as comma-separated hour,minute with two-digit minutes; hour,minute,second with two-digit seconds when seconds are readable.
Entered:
10,12
